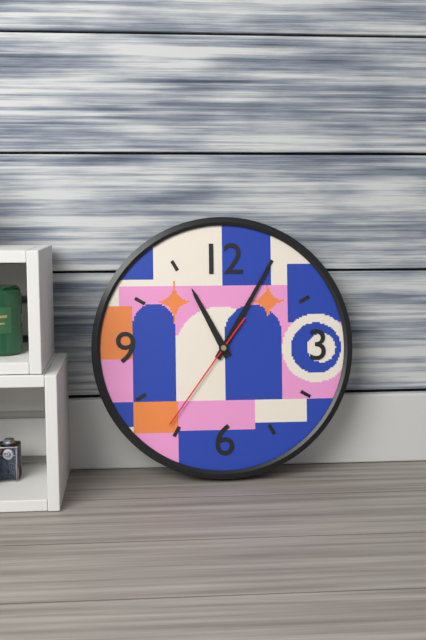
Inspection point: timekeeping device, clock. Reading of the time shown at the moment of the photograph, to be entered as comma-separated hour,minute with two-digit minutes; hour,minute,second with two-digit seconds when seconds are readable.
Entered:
11,05,36
